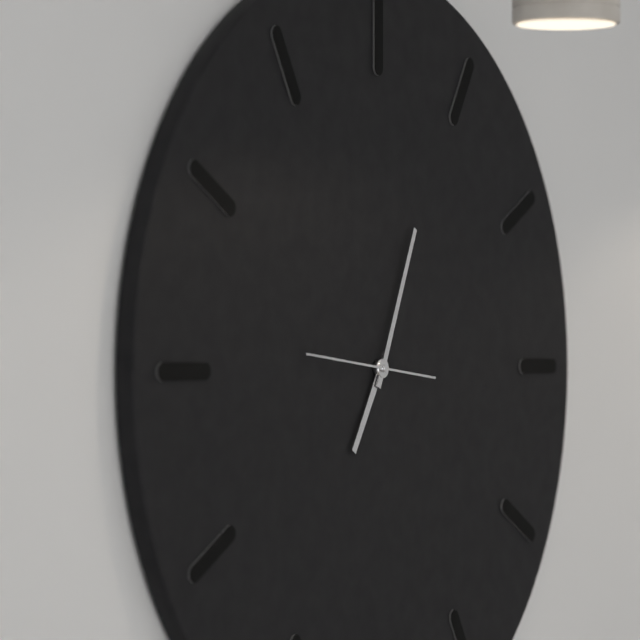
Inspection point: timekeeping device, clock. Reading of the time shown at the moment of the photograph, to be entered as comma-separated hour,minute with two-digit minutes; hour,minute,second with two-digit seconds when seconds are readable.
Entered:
7,04,46
